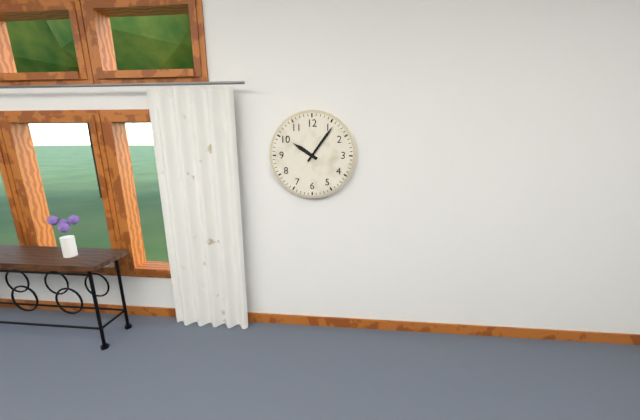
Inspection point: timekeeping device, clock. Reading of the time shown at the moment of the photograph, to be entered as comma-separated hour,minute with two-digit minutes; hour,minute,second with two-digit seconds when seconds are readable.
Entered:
10,06
